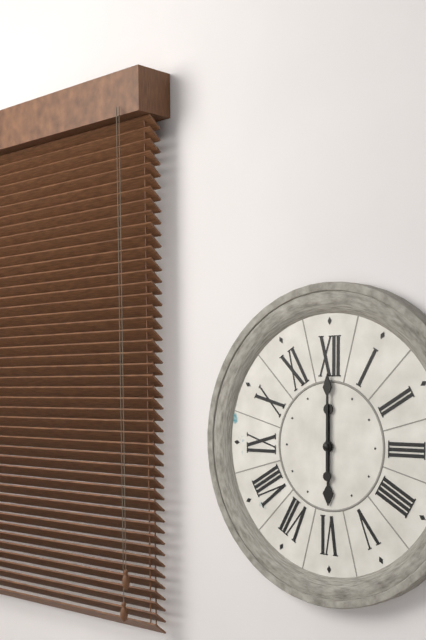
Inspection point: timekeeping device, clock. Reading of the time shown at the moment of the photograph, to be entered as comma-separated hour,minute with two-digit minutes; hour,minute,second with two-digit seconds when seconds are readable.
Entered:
6,00
